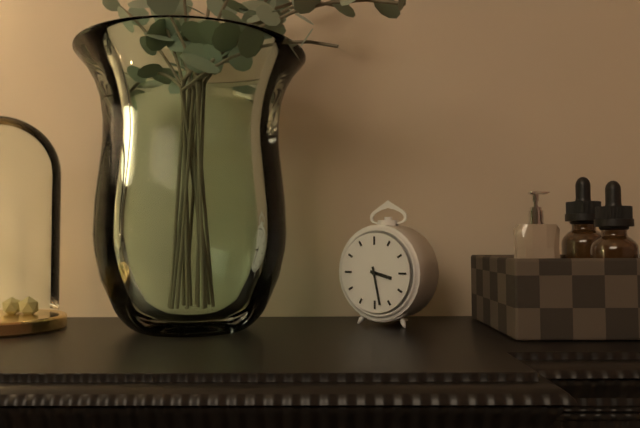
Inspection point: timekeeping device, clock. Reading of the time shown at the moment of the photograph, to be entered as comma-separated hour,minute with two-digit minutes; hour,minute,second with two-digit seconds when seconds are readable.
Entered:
3,28
